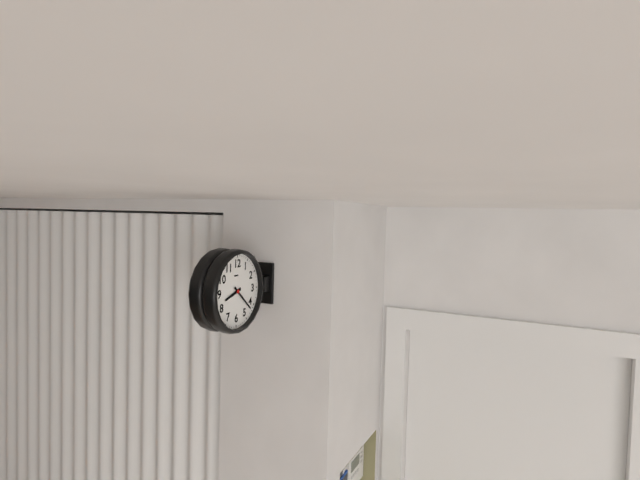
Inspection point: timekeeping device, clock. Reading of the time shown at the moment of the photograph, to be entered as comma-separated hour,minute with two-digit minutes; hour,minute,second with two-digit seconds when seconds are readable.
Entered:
8,22
